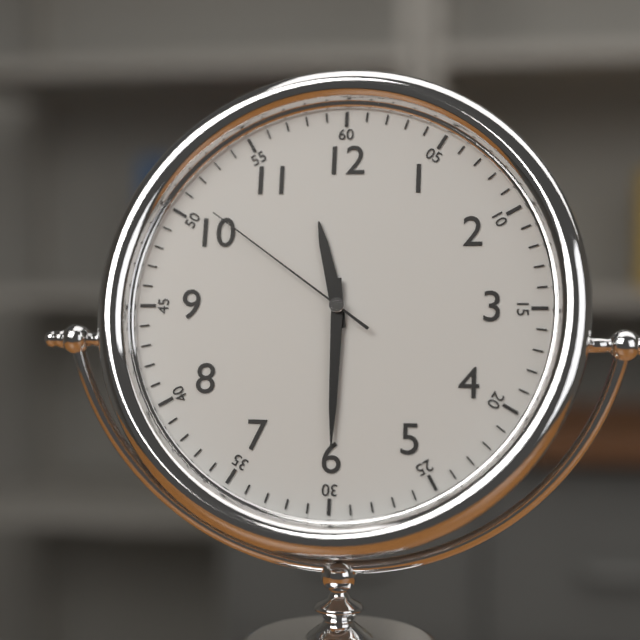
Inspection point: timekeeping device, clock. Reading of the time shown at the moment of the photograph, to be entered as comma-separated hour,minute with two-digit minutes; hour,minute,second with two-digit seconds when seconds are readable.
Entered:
11,30,51
